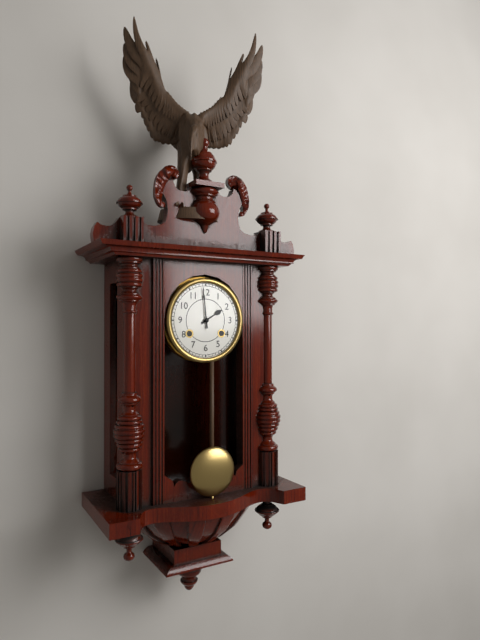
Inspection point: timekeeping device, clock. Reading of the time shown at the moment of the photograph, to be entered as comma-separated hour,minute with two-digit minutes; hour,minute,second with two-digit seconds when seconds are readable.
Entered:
1,59
